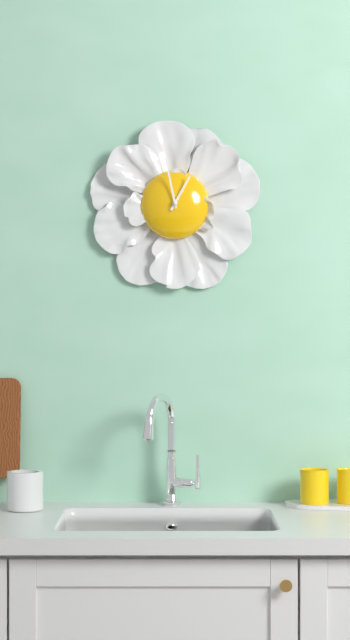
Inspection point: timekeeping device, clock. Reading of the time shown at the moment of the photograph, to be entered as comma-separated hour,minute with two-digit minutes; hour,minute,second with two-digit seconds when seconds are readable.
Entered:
12,58
